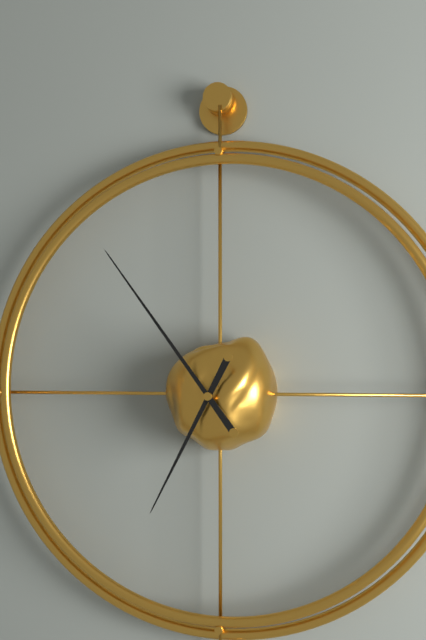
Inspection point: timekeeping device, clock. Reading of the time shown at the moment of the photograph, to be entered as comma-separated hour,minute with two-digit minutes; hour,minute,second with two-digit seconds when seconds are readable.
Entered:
6,54
